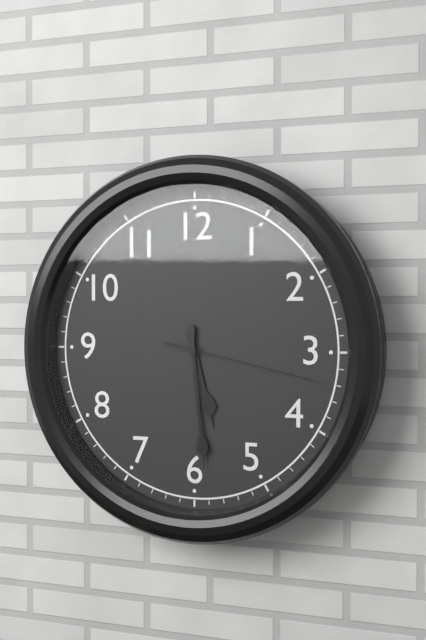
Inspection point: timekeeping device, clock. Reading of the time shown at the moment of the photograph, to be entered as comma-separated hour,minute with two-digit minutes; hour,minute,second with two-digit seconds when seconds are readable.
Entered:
5,29,17
